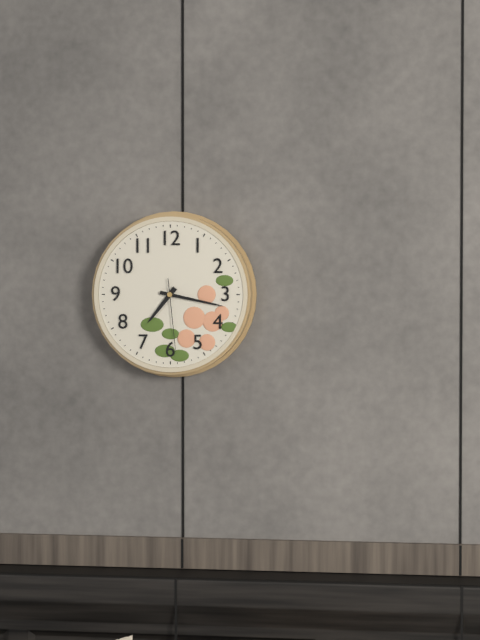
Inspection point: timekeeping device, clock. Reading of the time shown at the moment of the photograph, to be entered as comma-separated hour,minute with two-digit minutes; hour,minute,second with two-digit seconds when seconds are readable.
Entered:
7,17,29
